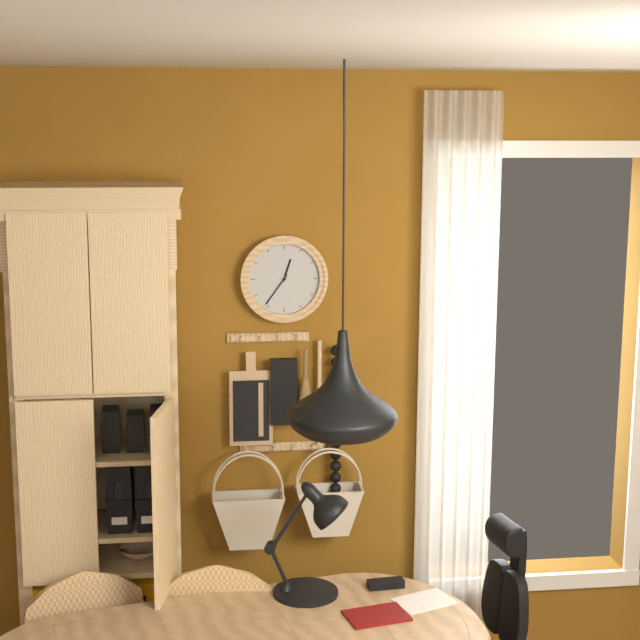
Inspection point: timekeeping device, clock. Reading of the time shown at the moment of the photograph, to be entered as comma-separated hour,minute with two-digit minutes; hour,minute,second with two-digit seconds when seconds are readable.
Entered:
12,36
